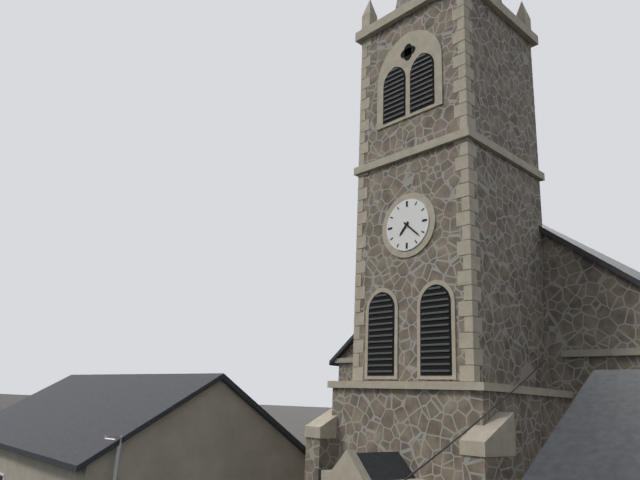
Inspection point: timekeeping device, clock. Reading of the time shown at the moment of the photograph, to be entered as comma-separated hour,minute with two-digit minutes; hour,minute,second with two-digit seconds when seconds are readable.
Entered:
7,22
